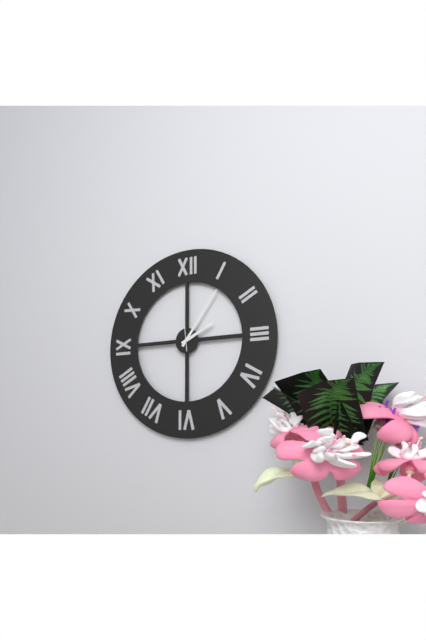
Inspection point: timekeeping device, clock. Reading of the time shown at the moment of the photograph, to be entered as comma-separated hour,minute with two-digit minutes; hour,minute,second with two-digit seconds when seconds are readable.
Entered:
2,06,59
